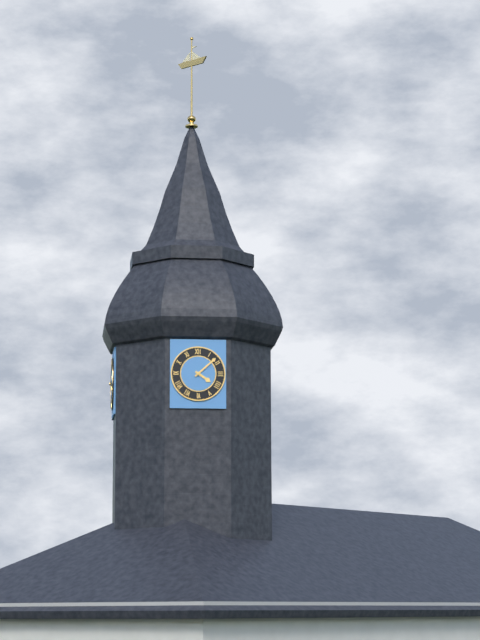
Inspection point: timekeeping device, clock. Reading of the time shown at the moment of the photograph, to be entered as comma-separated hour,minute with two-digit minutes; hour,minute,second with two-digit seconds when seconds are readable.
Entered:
4,08
